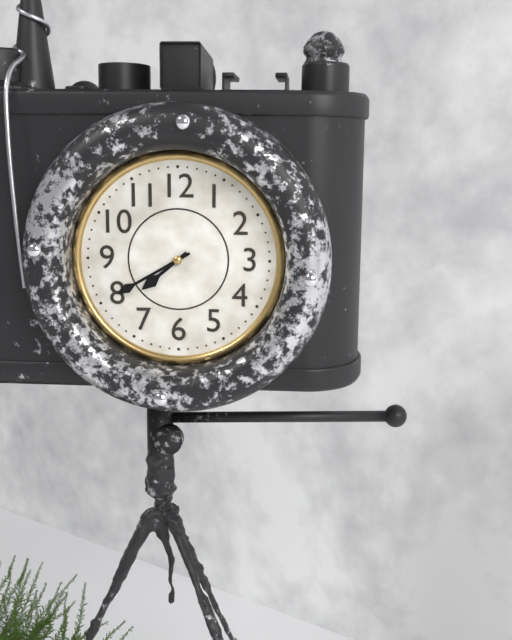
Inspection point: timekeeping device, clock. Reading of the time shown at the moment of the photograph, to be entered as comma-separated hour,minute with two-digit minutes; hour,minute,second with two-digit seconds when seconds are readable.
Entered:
7,40
